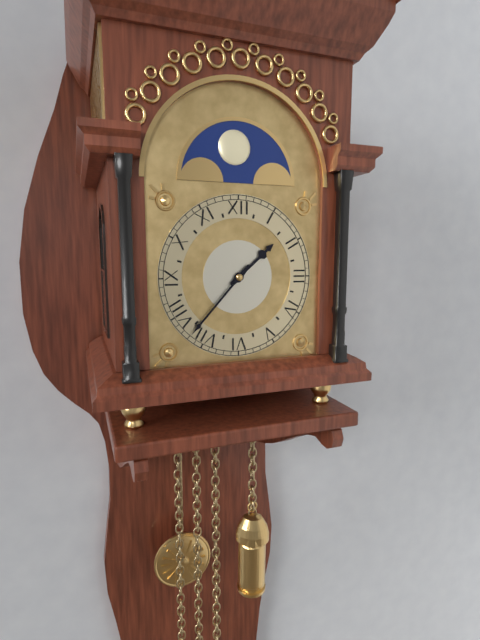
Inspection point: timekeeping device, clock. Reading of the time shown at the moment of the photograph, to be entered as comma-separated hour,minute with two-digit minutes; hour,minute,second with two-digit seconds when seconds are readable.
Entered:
1,37
